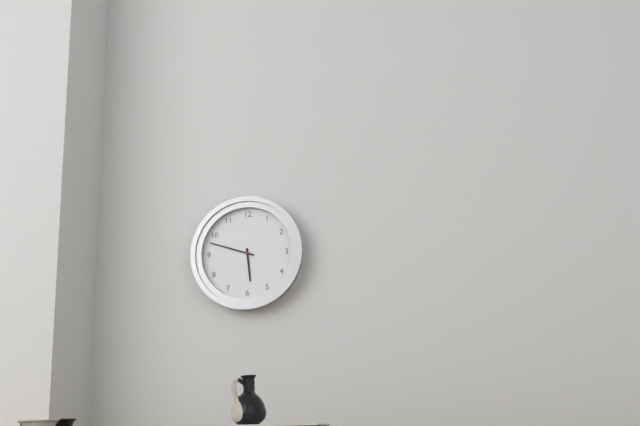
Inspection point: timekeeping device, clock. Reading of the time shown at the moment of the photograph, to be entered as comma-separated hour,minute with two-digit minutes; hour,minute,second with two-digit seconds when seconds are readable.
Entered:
5,48
